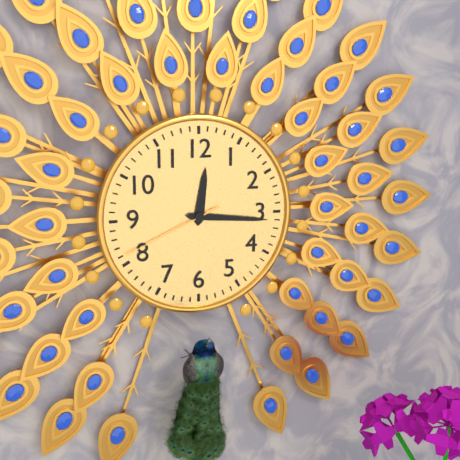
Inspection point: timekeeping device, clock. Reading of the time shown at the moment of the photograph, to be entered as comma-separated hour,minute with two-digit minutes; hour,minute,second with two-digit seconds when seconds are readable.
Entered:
12,16,41
